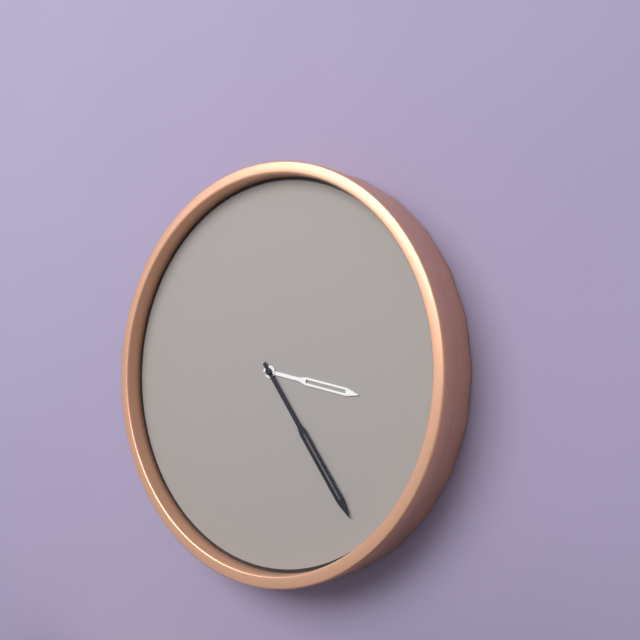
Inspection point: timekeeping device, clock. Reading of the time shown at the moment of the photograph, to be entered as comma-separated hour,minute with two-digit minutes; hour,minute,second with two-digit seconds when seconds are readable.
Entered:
3,24
